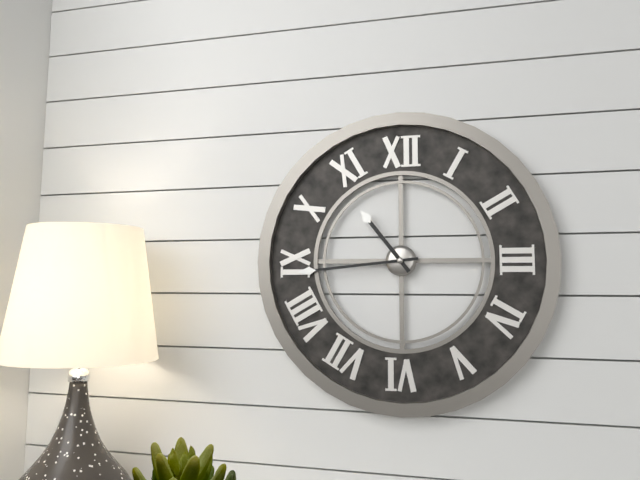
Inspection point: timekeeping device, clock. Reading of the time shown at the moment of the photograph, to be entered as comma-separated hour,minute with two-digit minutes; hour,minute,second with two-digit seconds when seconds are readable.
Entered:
10,44
